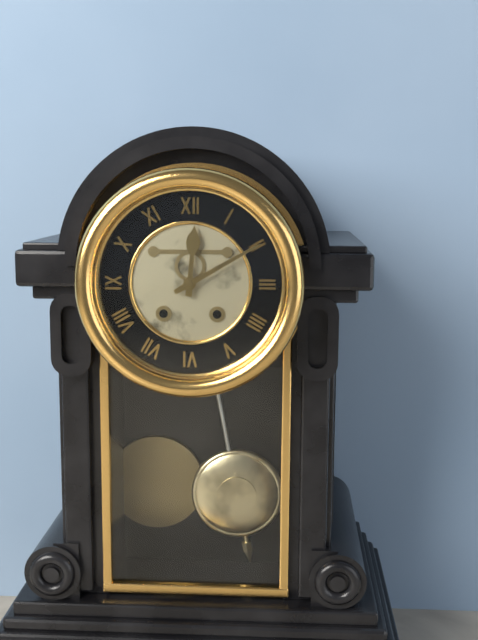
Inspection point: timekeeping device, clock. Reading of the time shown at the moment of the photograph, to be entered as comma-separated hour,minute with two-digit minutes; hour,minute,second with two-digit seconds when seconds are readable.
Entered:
12,10
